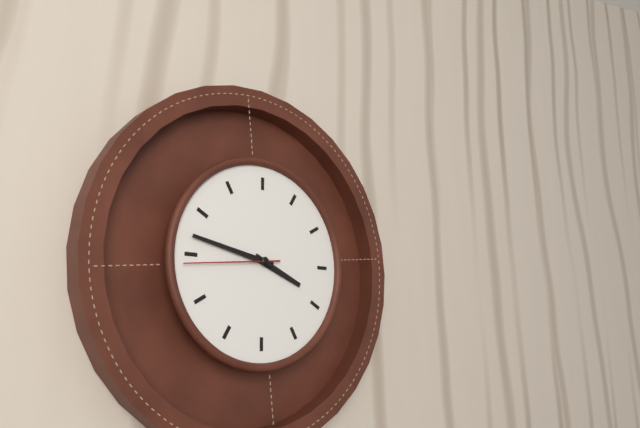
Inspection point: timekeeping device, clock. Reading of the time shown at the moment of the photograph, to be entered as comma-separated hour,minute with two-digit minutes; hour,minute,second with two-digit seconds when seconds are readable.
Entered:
3,47,44
